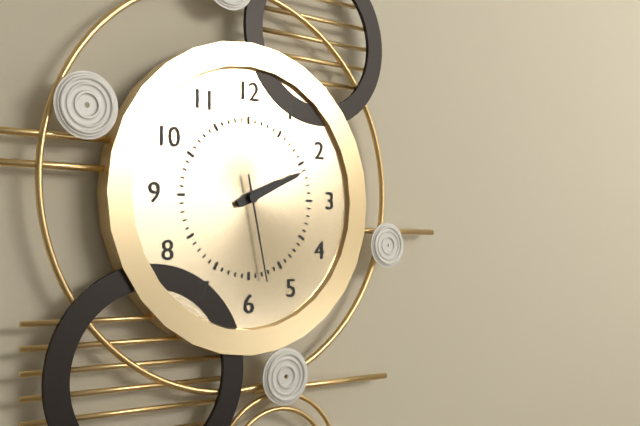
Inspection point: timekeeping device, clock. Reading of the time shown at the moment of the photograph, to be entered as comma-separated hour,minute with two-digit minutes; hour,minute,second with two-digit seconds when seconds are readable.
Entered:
2,11,28
